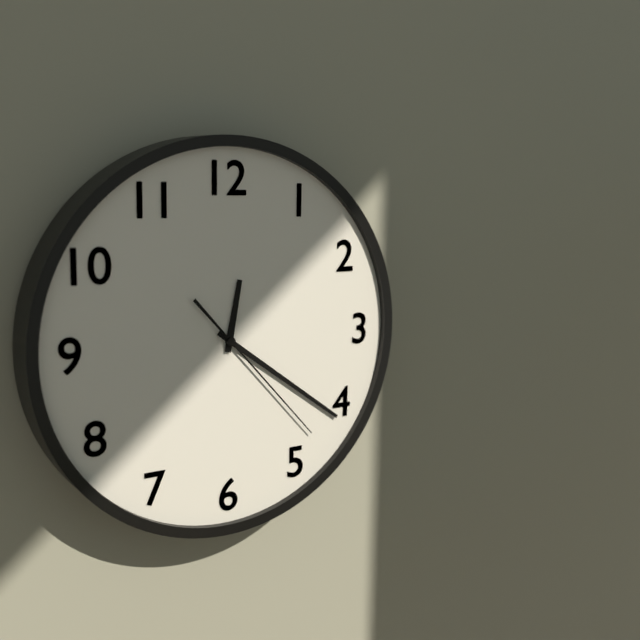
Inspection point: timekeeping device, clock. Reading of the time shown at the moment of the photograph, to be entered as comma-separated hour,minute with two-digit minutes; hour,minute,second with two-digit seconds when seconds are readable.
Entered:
12,21,23
